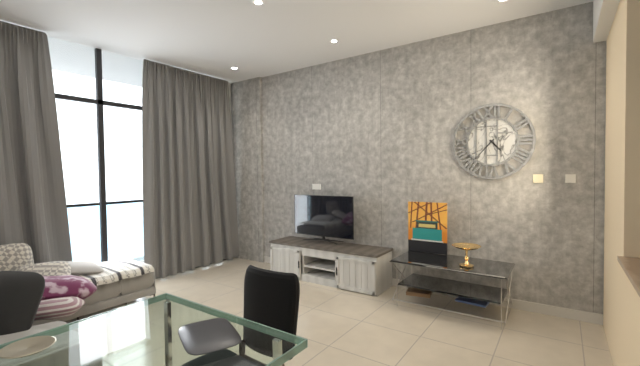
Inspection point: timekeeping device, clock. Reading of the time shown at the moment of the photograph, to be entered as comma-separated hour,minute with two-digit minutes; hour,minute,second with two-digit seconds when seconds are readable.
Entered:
4,37
